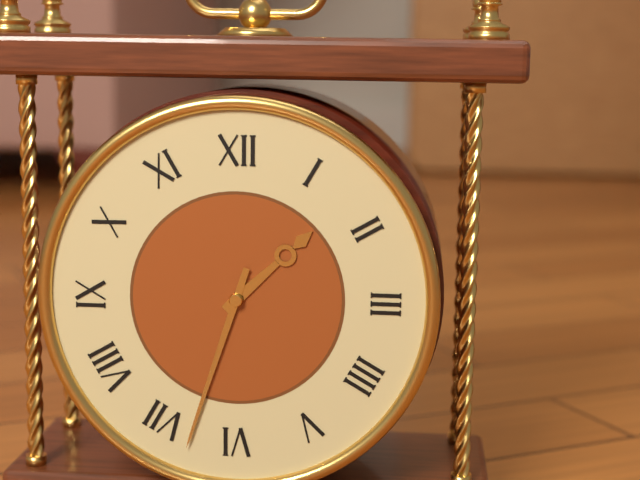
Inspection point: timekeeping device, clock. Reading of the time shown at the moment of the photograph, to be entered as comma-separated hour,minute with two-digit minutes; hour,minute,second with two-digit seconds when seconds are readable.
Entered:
1,33
